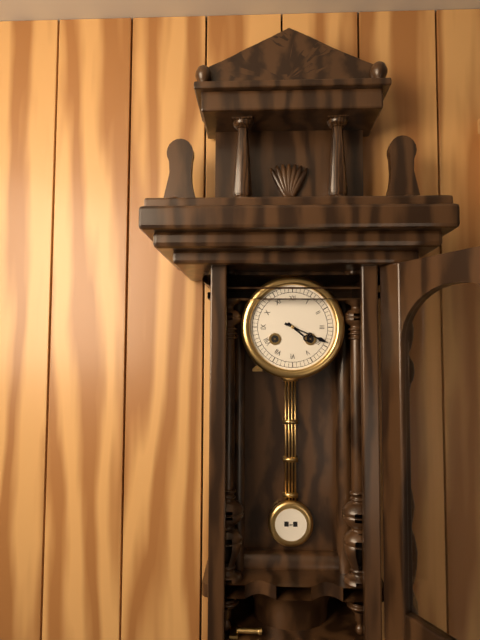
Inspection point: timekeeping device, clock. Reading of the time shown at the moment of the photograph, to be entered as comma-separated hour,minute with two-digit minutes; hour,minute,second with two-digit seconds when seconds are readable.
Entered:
4,19
